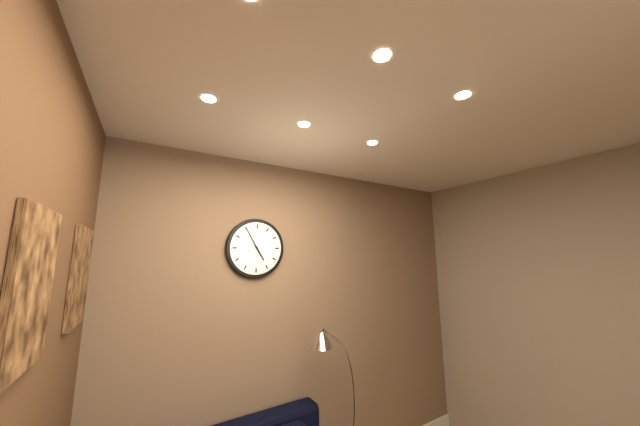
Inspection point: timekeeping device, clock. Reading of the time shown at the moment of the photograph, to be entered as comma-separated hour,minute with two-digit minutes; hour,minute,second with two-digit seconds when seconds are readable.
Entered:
4,55
